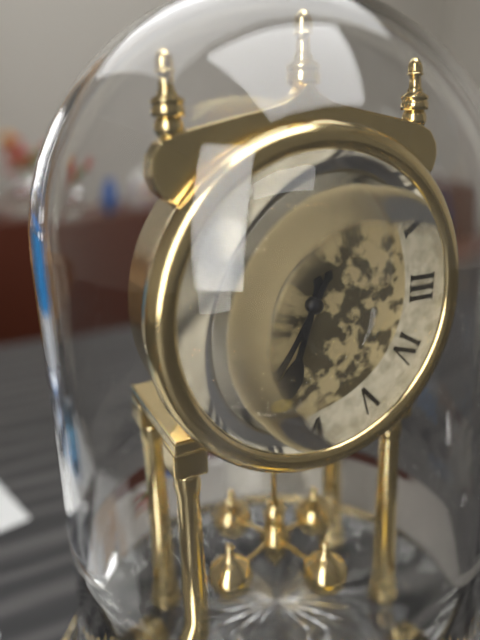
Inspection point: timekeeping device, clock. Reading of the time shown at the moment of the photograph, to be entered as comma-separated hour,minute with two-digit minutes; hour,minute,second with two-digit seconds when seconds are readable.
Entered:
6,35
